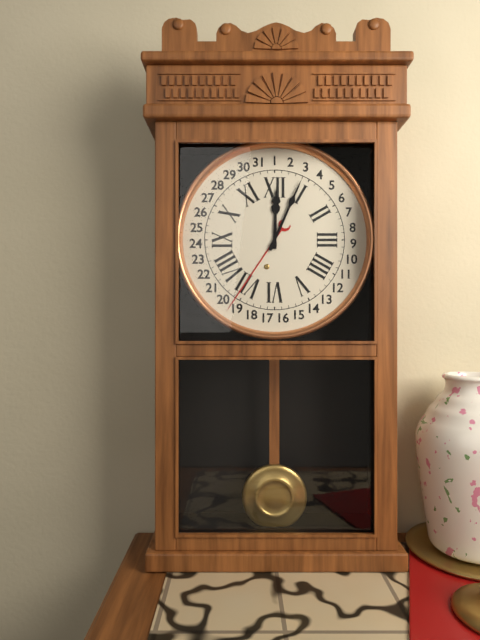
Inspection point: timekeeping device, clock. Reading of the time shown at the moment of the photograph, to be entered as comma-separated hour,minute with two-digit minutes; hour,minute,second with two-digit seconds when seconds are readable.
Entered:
12,04
